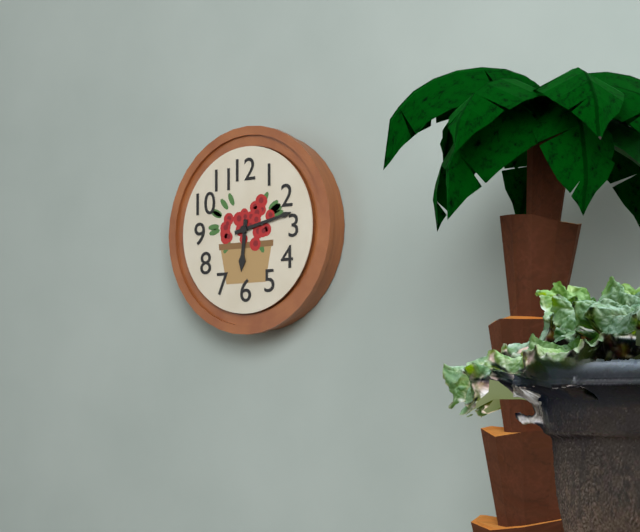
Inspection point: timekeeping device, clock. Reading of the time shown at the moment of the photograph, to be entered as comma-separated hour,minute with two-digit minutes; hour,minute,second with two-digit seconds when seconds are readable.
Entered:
6,13
